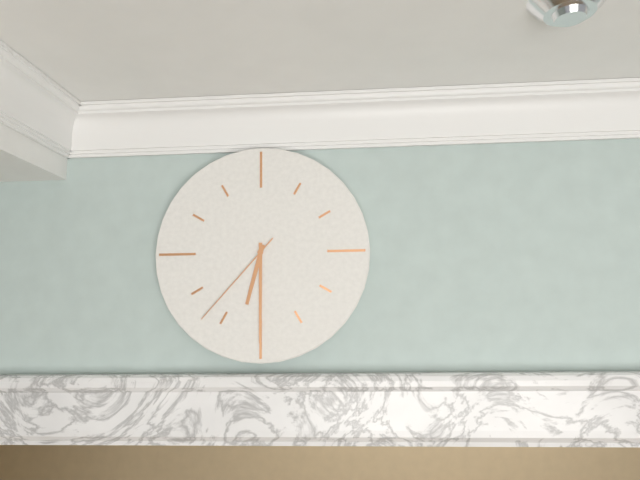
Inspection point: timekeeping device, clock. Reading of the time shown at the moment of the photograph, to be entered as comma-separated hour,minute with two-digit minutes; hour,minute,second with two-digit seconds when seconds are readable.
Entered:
6,30,37
